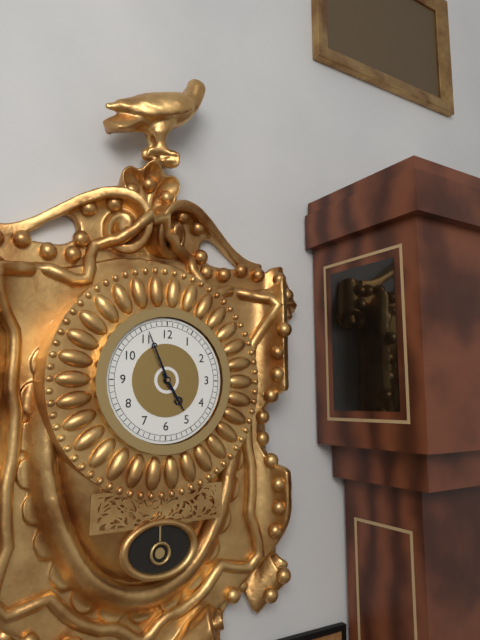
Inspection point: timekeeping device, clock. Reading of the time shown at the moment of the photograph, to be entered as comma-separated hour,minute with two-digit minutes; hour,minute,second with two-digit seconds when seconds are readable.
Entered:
4,56
